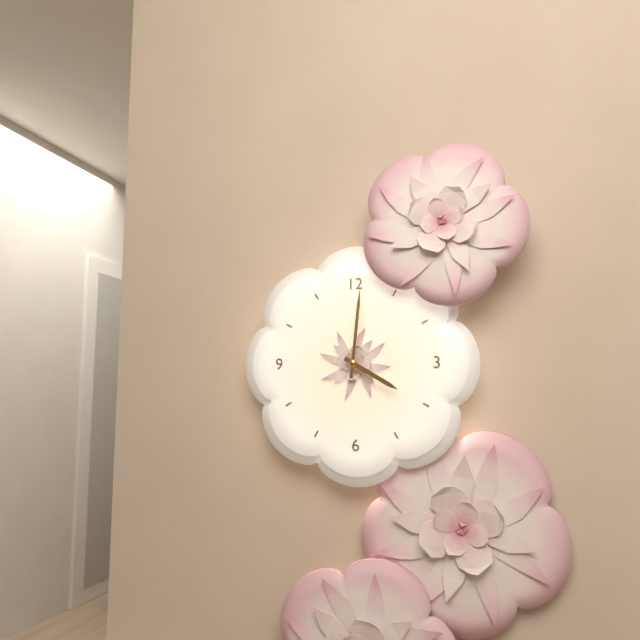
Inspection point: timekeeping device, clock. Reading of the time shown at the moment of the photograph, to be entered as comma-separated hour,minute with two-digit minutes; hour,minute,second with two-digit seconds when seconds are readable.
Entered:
4,01
